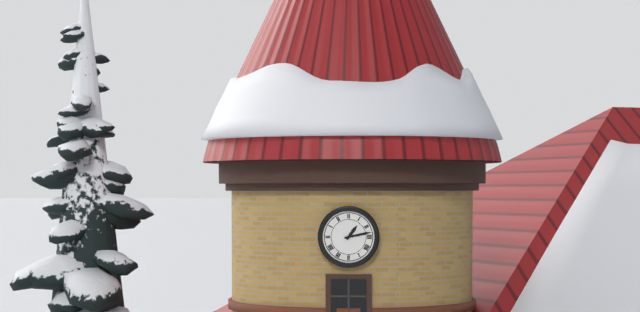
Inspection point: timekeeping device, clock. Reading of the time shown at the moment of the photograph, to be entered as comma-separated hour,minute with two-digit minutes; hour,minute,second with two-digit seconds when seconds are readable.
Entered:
1,13
